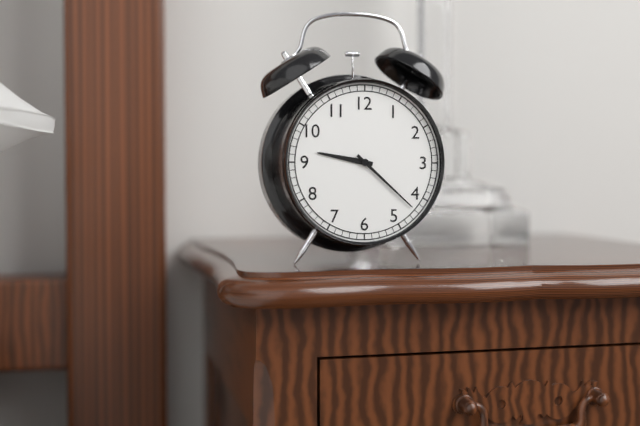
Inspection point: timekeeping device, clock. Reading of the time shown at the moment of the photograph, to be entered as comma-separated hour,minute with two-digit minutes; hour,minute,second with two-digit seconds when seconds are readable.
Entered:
9,22
